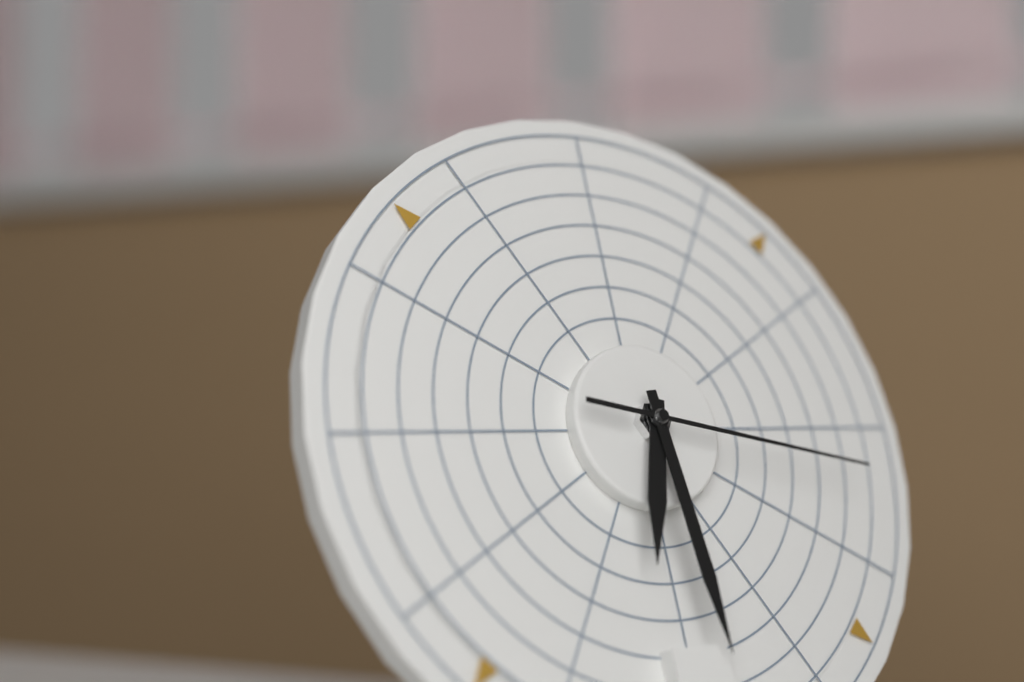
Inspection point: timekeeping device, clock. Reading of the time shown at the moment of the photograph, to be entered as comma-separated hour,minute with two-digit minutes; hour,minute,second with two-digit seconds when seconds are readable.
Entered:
6,29,17
